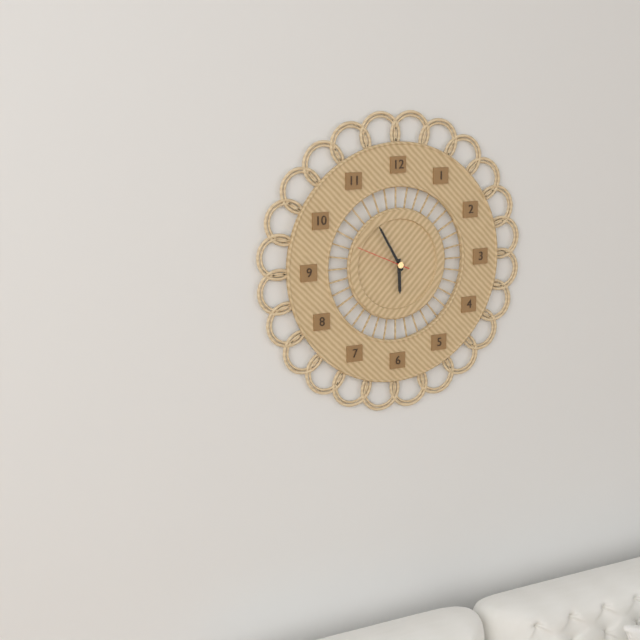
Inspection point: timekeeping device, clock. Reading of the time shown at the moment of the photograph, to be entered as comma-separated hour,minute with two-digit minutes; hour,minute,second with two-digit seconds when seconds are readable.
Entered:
5,55,49
